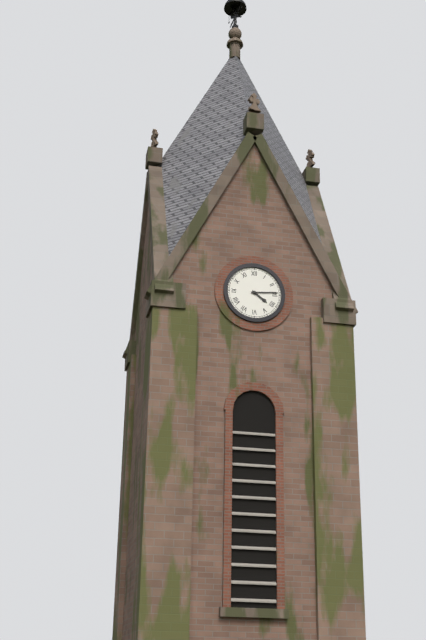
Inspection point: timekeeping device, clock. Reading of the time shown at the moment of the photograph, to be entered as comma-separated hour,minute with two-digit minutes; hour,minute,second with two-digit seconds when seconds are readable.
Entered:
4,14
